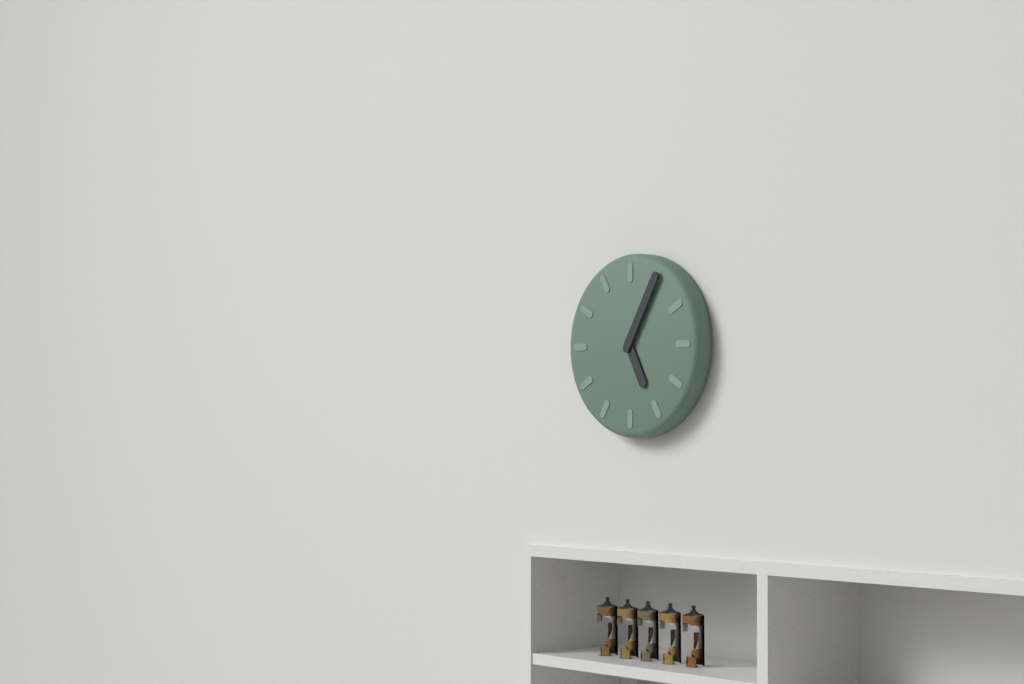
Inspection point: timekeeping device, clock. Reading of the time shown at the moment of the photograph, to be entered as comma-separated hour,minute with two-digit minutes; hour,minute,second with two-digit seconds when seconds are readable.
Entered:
5,05
